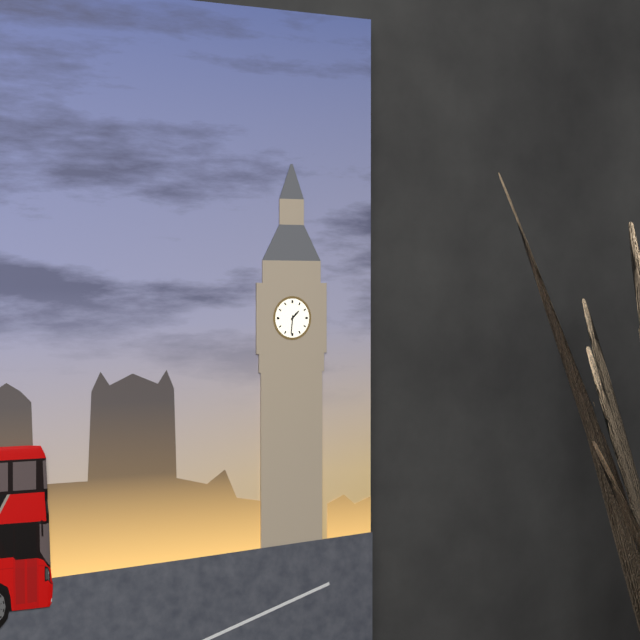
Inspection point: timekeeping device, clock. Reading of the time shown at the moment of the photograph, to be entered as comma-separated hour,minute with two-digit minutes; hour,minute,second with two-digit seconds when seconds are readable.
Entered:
1,31
